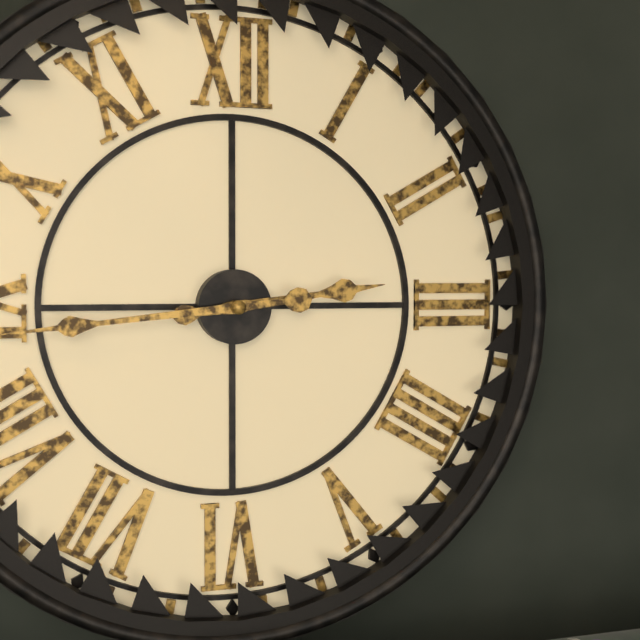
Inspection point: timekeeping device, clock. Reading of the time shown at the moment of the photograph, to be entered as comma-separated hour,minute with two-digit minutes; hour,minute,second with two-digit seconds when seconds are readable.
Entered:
2,44
